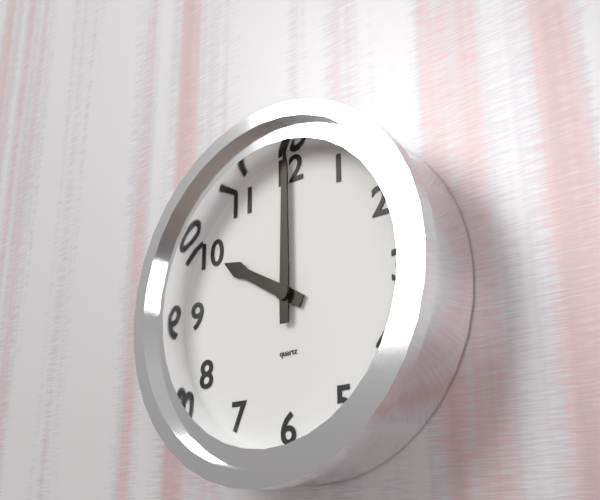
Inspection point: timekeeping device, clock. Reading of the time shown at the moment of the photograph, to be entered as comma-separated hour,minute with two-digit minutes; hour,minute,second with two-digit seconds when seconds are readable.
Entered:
10,00
